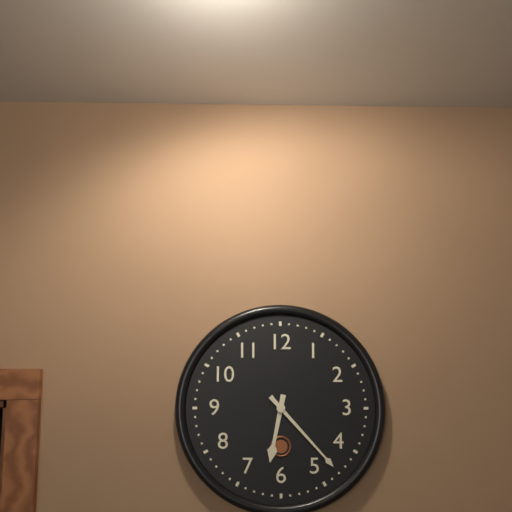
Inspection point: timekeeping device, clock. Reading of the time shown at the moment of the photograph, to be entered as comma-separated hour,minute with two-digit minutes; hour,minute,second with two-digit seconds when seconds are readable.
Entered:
6,23
